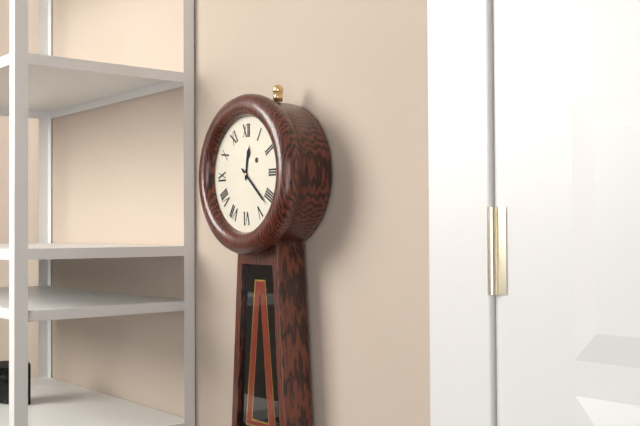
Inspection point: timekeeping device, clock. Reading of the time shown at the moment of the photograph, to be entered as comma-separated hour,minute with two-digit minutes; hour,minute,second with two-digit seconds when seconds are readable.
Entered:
12,22
